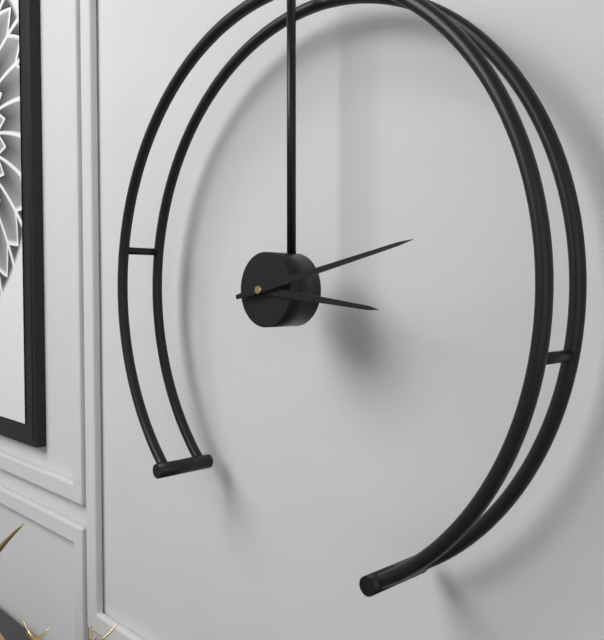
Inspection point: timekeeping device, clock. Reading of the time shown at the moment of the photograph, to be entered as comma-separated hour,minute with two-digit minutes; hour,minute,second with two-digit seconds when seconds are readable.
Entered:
3,13
